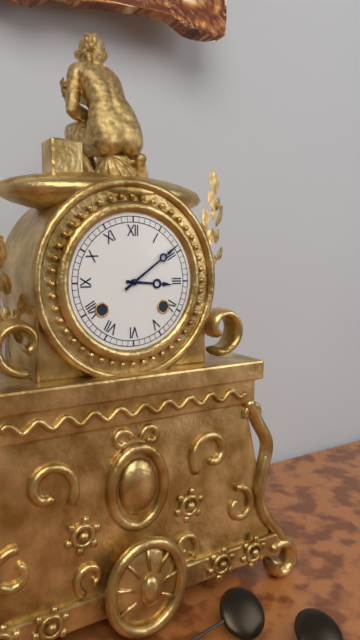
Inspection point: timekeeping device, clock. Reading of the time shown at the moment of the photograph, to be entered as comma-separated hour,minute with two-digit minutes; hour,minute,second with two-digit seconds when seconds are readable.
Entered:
3,09
